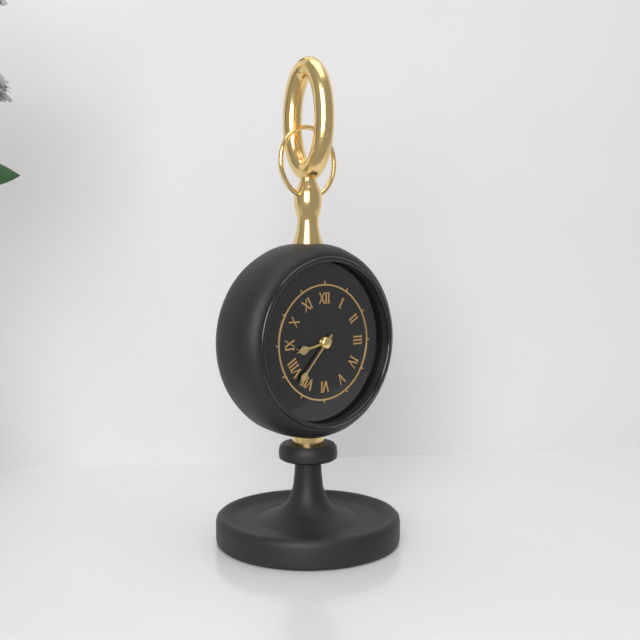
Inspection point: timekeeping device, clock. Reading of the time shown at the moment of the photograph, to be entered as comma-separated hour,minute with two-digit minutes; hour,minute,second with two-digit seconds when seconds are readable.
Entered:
8,37
